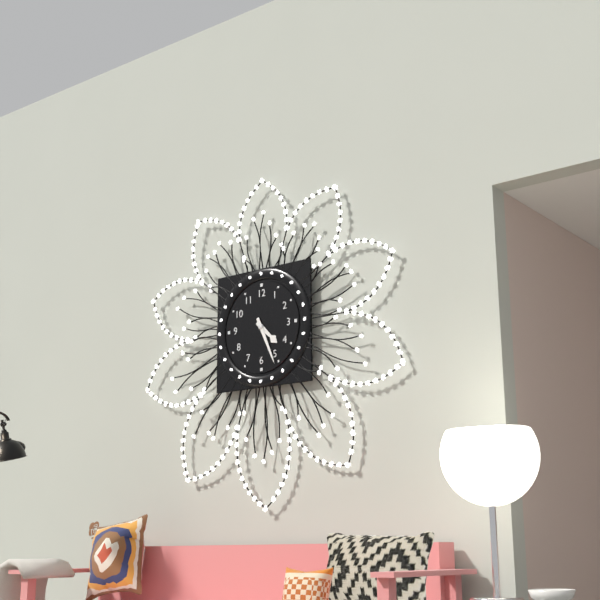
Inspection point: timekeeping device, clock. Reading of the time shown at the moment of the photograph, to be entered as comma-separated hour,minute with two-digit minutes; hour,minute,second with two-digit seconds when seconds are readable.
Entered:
4,26
